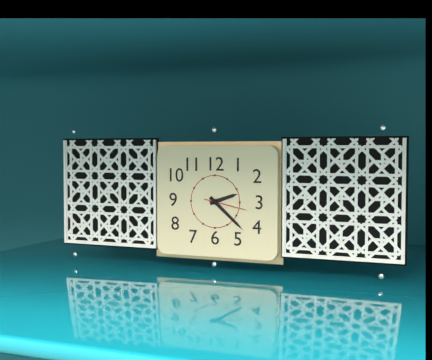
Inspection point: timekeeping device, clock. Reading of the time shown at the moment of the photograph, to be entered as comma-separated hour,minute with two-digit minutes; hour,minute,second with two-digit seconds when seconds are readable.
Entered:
2,22
